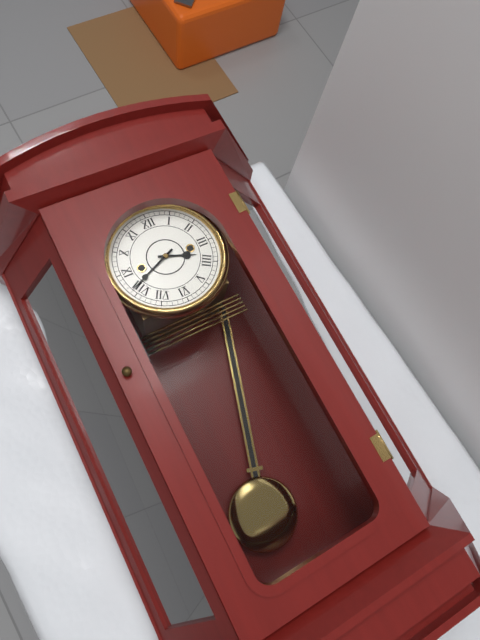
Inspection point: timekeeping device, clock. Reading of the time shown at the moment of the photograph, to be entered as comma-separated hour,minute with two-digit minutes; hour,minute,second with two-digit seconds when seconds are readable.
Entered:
3,41
